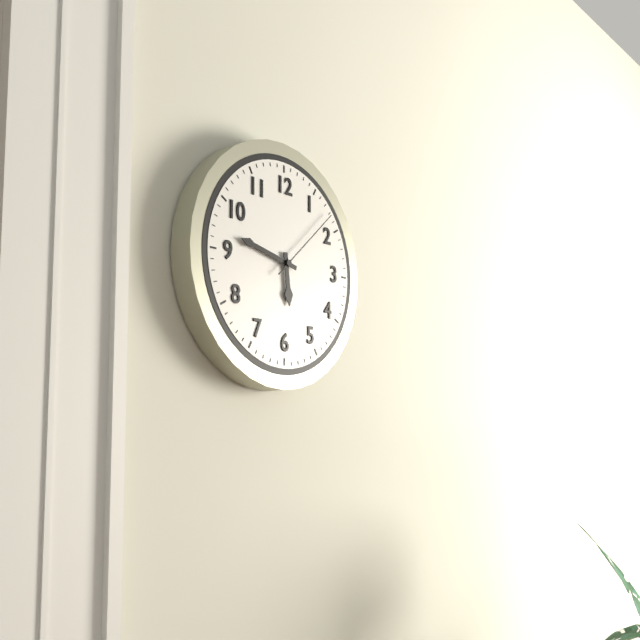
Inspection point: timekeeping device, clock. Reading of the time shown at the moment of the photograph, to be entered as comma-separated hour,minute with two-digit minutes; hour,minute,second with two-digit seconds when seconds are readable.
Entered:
5,47,08
